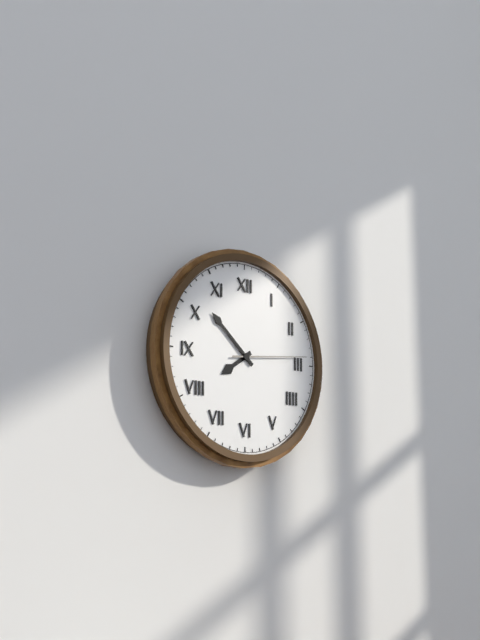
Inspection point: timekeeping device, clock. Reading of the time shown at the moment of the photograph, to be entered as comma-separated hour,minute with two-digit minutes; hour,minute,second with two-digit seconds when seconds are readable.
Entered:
7,52,14
